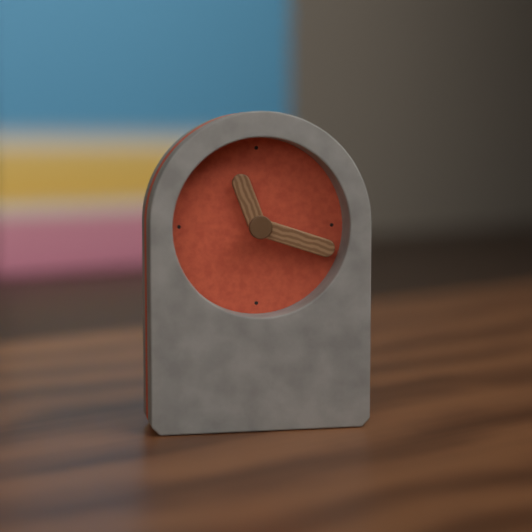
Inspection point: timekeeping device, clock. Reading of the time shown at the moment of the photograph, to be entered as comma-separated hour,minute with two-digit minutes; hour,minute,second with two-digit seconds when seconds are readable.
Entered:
11,18
